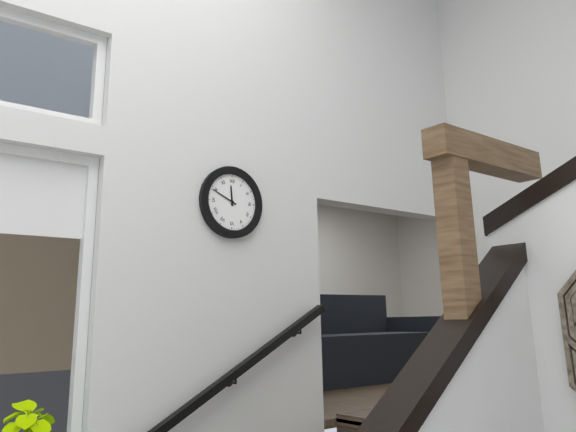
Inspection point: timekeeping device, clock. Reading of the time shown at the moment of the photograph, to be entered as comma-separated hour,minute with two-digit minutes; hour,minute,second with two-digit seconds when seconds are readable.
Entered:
11,49
